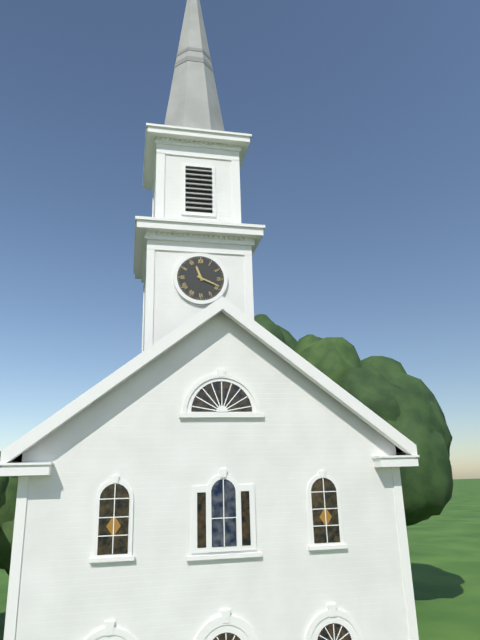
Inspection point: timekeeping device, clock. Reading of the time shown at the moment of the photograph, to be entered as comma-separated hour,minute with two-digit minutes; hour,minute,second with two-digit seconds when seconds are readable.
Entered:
11,19
